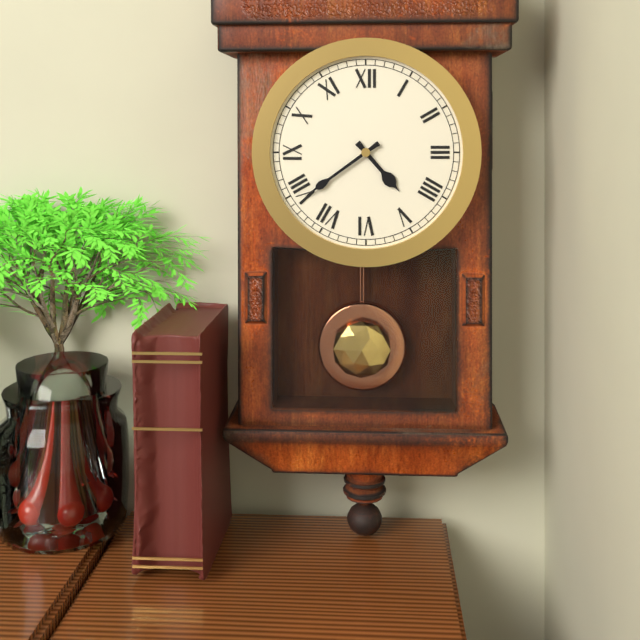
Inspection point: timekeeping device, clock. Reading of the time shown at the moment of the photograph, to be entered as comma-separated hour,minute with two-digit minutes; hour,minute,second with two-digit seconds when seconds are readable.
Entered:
4,39
